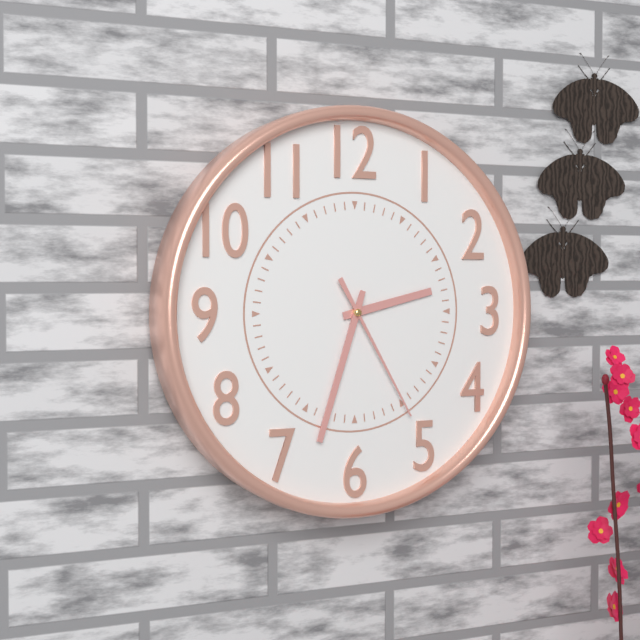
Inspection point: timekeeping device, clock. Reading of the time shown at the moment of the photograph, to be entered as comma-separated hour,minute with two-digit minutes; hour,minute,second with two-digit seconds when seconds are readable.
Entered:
2,33,25
